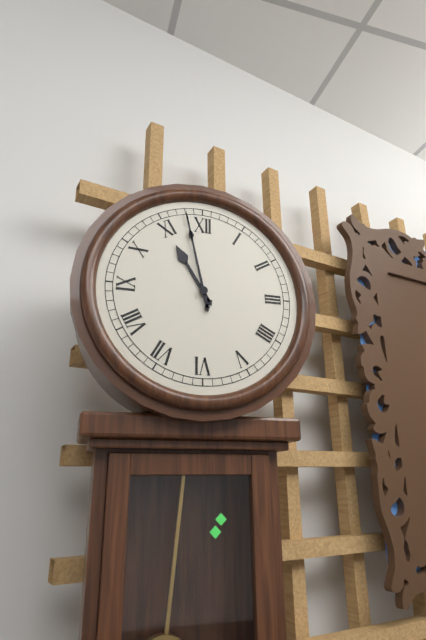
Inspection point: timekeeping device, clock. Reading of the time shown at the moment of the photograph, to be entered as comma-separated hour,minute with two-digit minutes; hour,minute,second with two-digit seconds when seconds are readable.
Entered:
10,58
